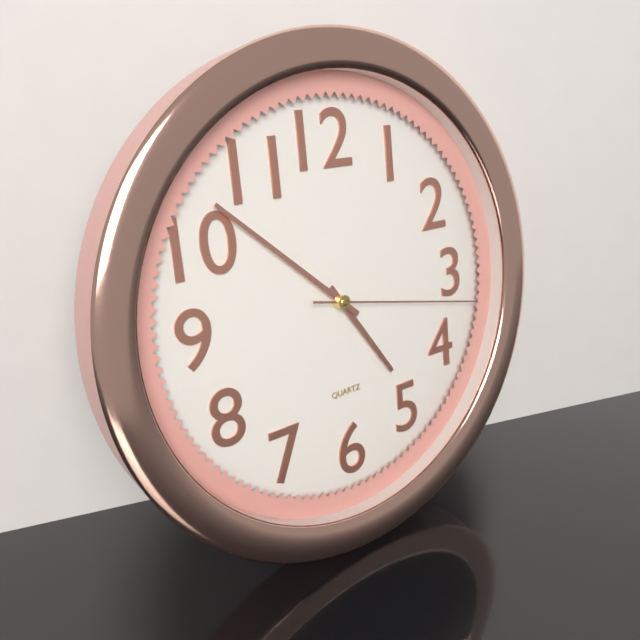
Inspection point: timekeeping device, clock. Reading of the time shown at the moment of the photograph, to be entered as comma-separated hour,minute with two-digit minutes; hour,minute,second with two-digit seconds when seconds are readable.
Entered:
4,52,17
